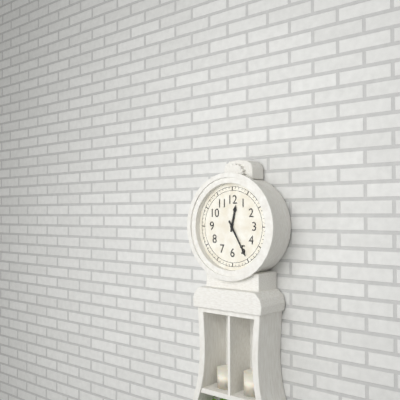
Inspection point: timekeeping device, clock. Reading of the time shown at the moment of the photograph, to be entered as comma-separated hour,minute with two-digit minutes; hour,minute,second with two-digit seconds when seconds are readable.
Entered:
12,25
